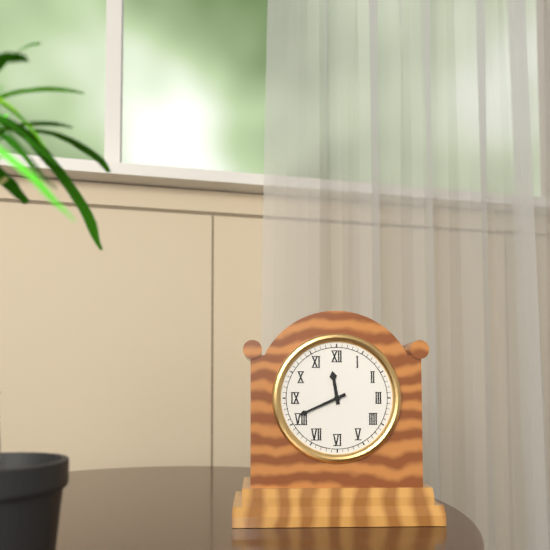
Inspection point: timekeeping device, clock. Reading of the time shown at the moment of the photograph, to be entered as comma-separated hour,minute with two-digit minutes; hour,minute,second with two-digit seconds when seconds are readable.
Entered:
11,41
